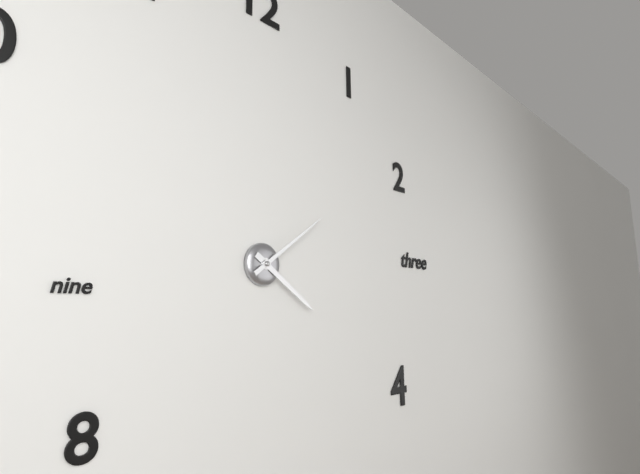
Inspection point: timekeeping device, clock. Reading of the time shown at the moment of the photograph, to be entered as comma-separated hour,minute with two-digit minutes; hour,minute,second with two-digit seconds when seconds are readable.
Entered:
4,09
